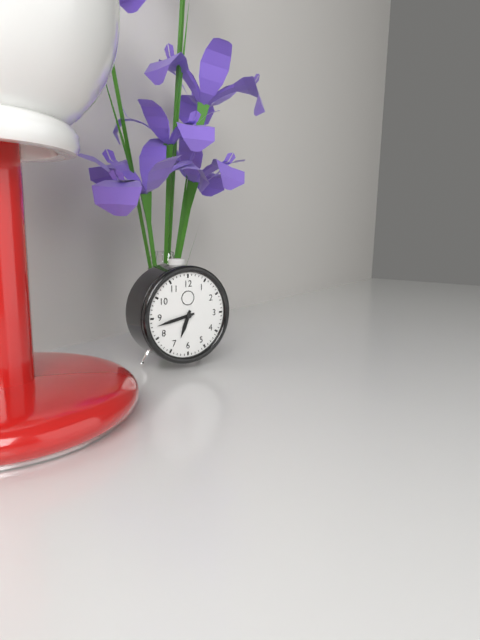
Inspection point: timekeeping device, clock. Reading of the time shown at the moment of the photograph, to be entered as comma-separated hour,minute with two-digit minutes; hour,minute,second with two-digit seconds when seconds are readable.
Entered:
6,43
